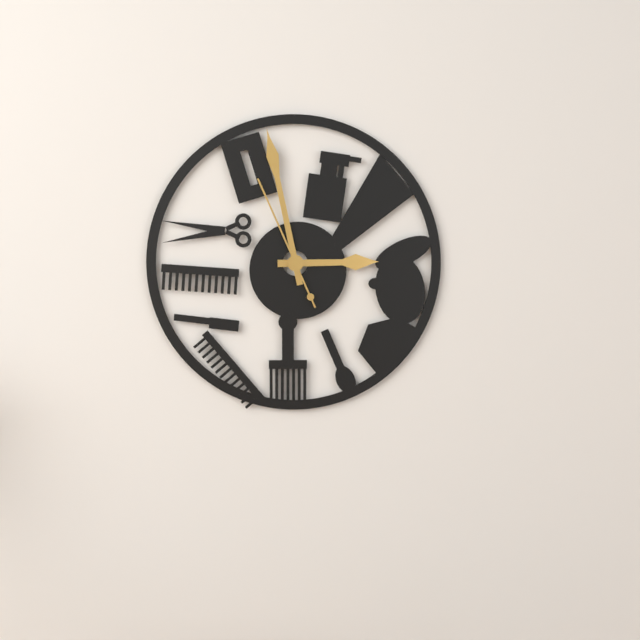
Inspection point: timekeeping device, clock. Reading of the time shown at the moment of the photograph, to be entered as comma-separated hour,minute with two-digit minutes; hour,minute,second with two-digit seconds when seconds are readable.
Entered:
2,58,56
